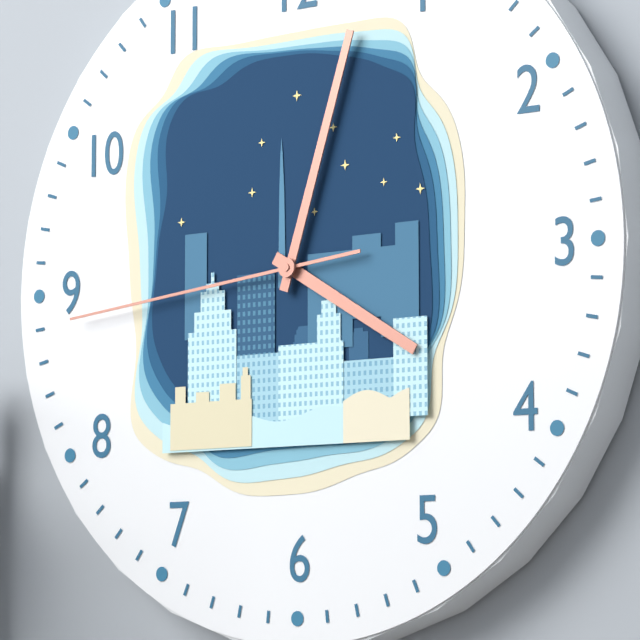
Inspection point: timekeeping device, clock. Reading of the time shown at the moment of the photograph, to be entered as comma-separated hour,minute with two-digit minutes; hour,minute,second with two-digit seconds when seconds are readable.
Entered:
4,03,44
